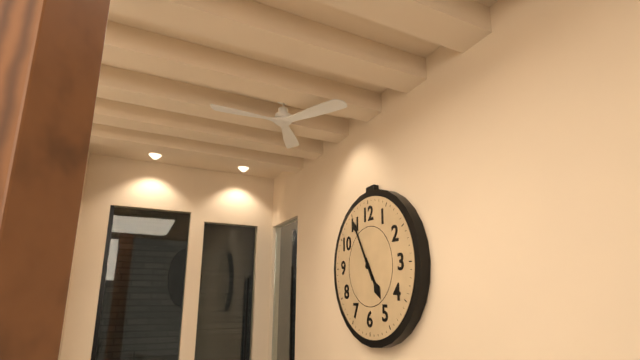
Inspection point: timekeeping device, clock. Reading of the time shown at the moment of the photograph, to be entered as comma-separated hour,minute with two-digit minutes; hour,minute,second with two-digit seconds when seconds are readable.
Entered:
4,55
